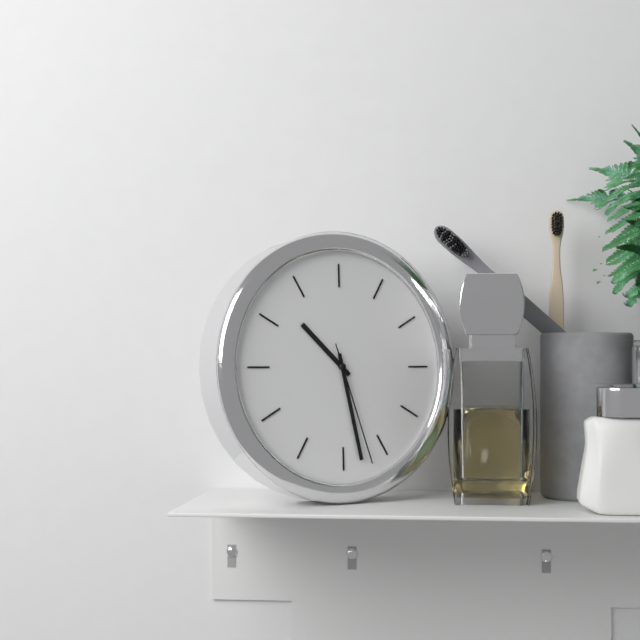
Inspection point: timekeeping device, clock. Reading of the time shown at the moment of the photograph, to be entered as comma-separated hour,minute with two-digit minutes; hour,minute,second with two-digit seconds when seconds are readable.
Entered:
10,28,27
